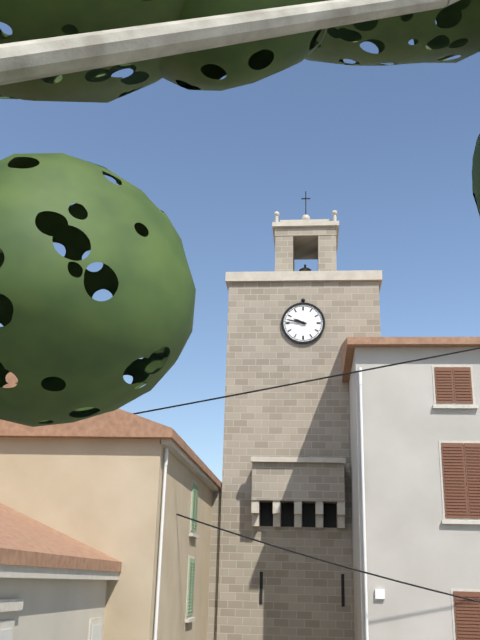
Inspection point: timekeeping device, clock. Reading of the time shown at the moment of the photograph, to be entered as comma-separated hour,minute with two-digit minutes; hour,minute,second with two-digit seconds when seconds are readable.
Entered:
9,47
